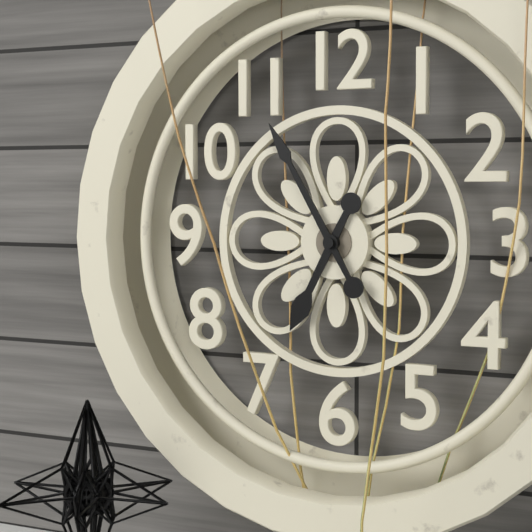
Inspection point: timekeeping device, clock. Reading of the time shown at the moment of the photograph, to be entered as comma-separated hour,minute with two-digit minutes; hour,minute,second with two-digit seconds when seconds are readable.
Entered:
6,55
